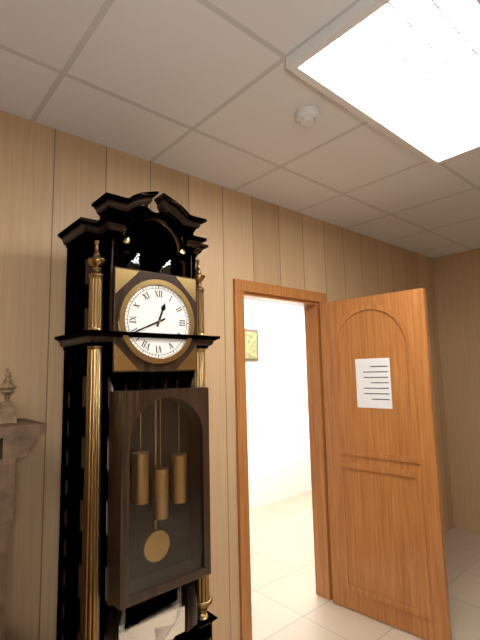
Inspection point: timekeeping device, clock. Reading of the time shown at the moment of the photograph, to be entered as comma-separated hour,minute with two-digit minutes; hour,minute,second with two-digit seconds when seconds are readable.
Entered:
12,41
